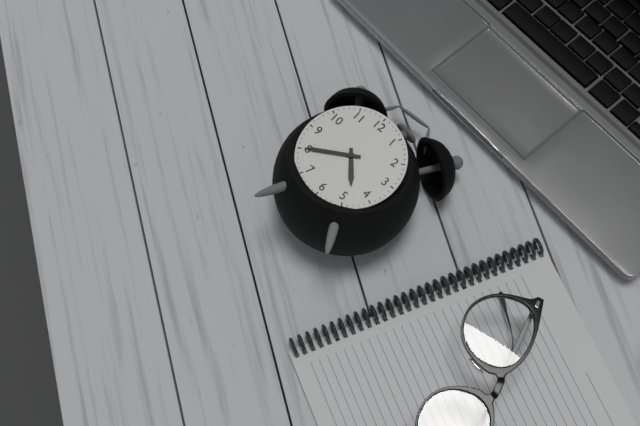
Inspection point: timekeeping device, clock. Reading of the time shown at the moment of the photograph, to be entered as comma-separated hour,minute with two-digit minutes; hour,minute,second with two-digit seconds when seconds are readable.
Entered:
4,40
